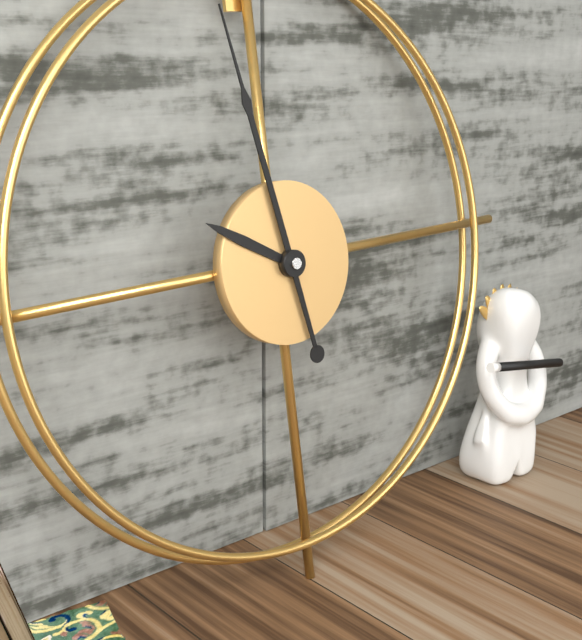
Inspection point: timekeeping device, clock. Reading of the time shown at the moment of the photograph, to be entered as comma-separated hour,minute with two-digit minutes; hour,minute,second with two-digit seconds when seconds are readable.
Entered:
9,58
